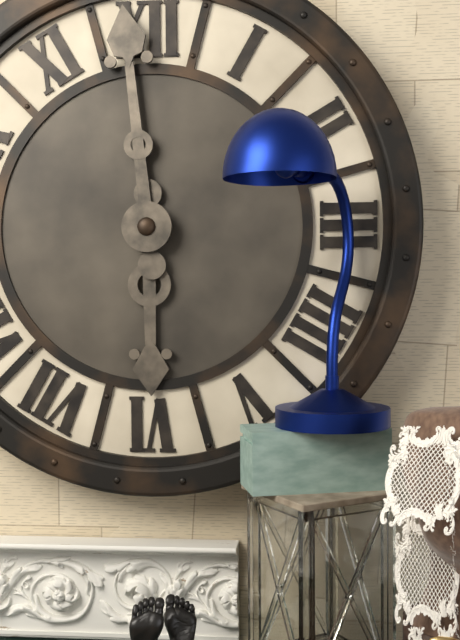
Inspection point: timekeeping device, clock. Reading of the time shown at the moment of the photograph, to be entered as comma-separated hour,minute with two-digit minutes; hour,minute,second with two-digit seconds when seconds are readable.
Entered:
5,59
